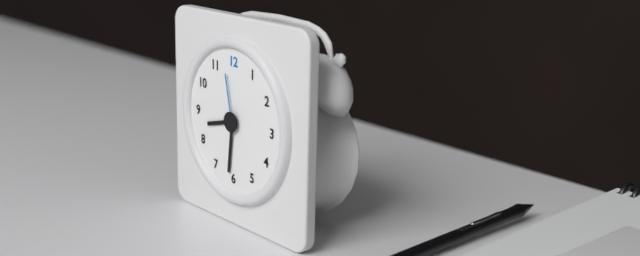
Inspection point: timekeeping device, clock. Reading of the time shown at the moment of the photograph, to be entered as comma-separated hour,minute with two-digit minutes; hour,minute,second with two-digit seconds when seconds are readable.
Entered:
8,31,58
